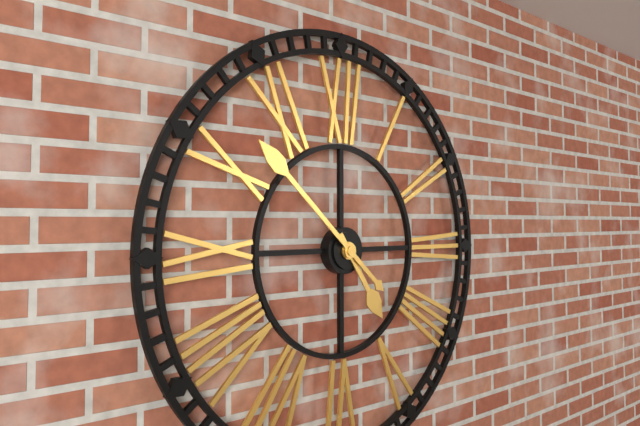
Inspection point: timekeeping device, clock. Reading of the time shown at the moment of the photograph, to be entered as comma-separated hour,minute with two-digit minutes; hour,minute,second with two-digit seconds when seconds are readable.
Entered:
4,52
